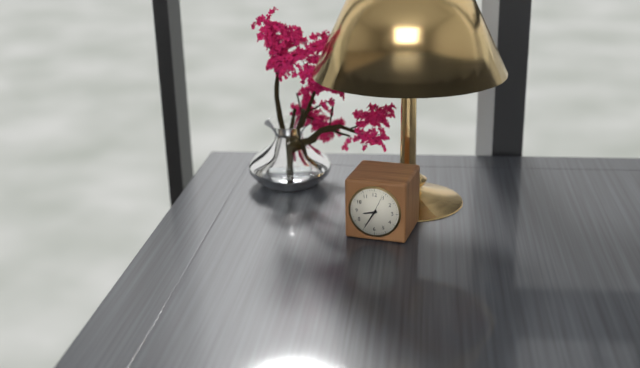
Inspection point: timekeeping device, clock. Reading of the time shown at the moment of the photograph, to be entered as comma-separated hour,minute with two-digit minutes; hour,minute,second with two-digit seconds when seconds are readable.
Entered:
8,35
